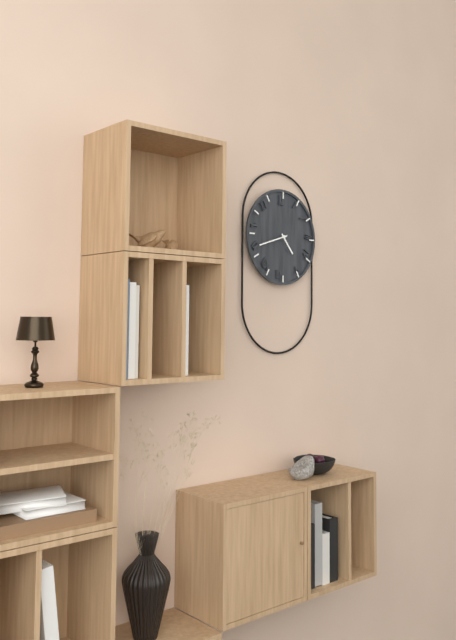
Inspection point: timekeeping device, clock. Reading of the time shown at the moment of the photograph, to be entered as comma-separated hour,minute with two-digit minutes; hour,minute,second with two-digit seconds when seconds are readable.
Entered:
4,42
